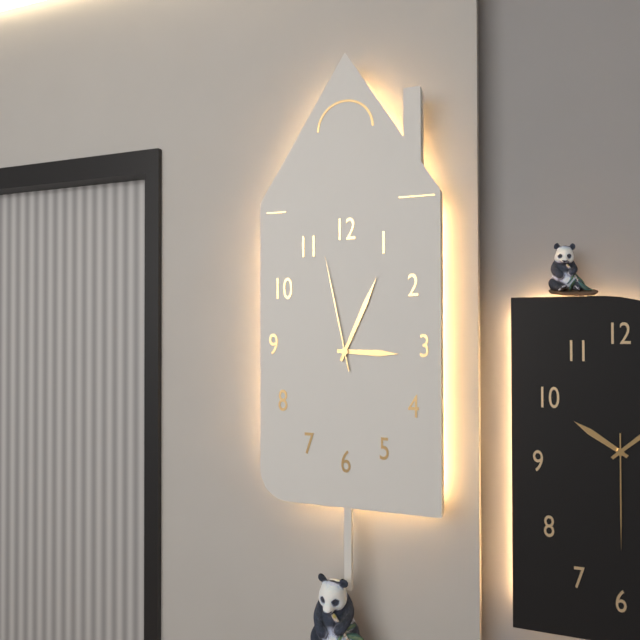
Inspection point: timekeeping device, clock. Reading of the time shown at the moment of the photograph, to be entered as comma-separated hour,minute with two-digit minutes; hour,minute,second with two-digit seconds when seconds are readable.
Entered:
3,04,58
